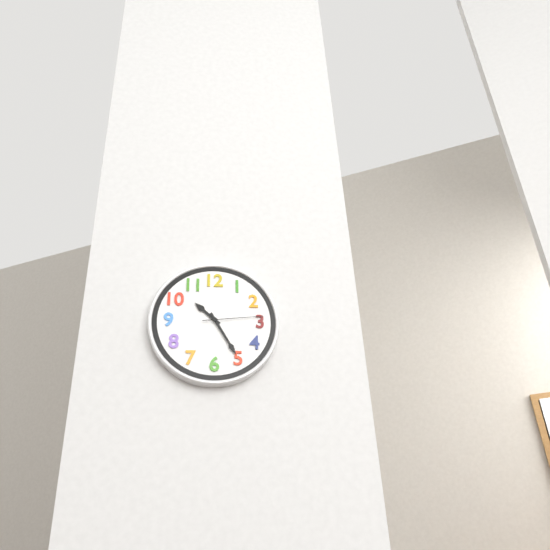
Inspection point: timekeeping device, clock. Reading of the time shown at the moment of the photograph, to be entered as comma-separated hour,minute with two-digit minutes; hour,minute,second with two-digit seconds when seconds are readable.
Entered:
10,25,14
